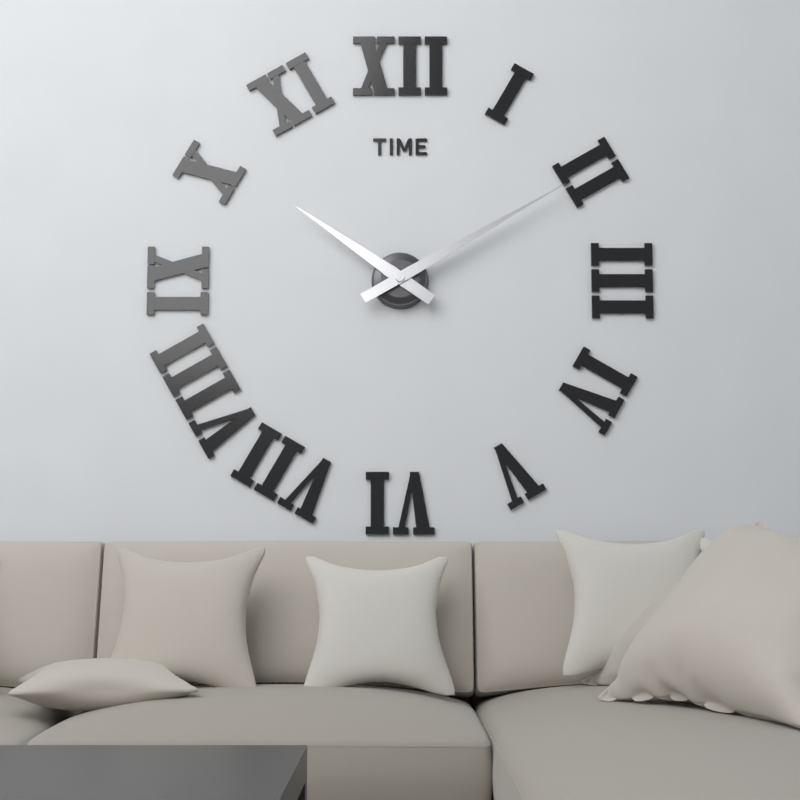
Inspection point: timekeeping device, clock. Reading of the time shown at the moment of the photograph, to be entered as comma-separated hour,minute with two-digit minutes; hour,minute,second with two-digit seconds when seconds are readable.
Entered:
10,10
